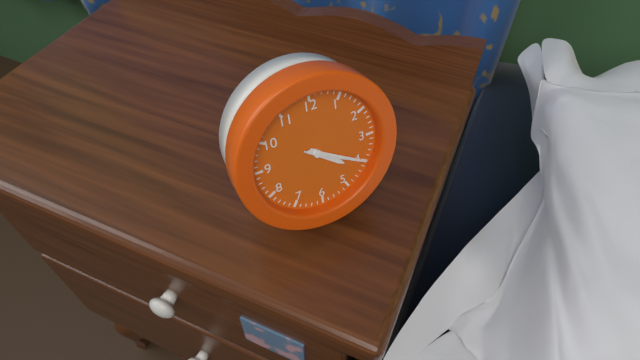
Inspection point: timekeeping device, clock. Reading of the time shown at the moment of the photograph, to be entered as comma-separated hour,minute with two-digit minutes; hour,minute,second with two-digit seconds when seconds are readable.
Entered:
4,20,20
